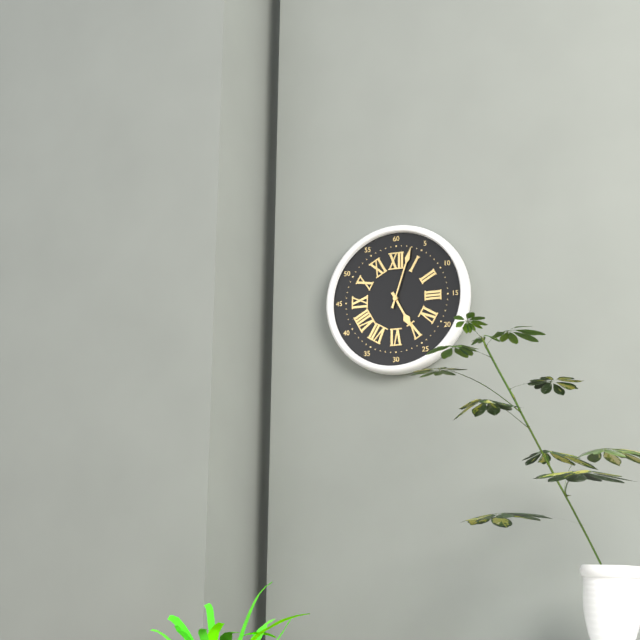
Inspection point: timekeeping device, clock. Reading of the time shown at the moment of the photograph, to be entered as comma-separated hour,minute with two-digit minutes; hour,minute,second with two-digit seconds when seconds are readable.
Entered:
5,03
